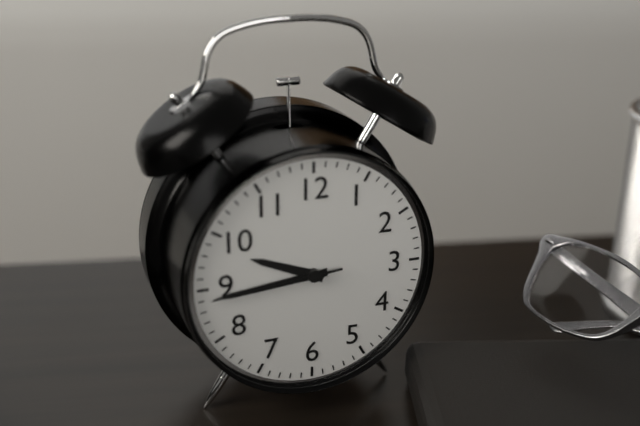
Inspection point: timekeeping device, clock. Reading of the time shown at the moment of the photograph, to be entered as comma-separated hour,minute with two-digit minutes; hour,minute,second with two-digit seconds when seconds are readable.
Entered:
9,44,44
